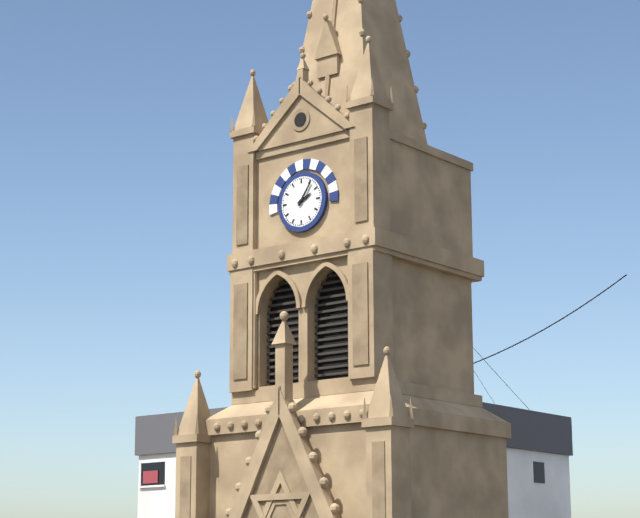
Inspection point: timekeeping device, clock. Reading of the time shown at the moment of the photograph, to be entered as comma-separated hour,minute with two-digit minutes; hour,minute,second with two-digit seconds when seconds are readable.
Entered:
2,06
